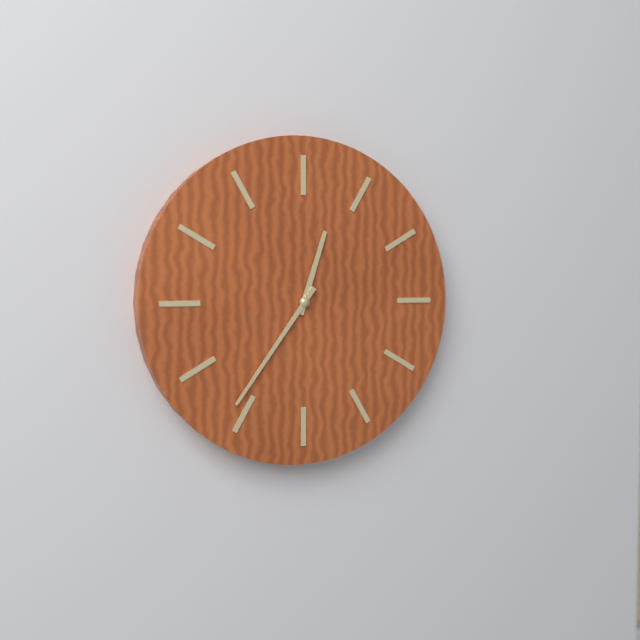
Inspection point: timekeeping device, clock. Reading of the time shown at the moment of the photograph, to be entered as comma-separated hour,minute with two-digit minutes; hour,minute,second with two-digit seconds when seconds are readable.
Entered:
12,36
